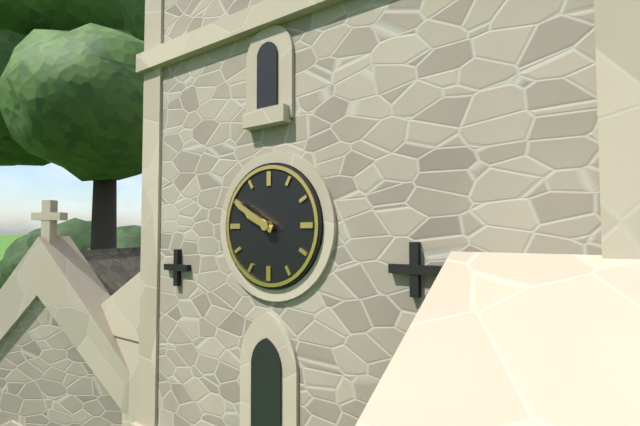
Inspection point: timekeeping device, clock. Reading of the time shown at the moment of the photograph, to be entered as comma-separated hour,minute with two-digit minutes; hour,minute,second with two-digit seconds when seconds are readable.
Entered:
9,50
